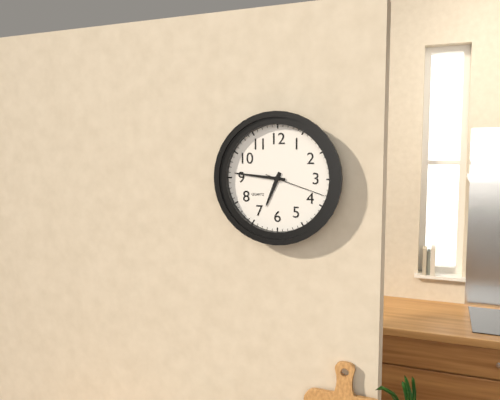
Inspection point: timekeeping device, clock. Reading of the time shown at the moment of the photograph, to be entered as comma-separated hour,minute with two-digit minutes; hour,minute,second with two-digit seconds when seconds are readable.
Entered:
6,46,18
